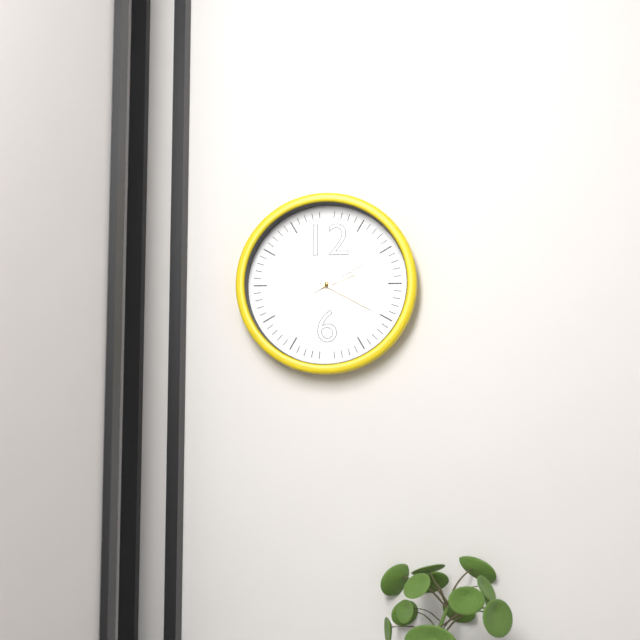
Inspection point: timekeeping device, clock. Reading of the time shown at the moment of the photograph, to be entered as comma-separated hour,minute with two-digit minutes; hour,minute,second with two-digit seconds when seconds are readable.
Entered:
2,20,10
